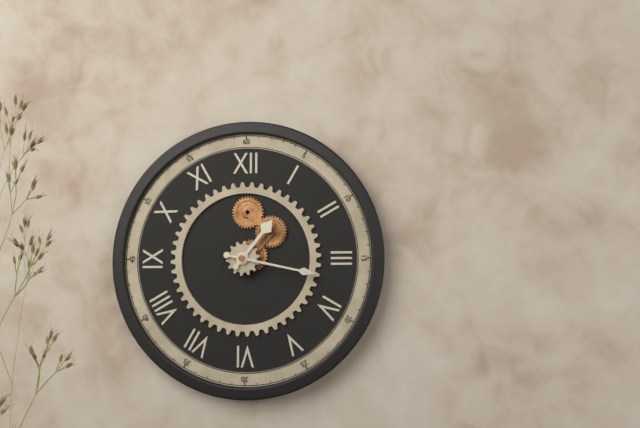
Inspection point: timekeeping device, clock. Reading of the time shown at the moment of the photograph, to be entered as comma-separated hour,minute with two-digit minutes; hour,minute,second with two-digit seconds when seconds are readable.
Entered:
1,17
